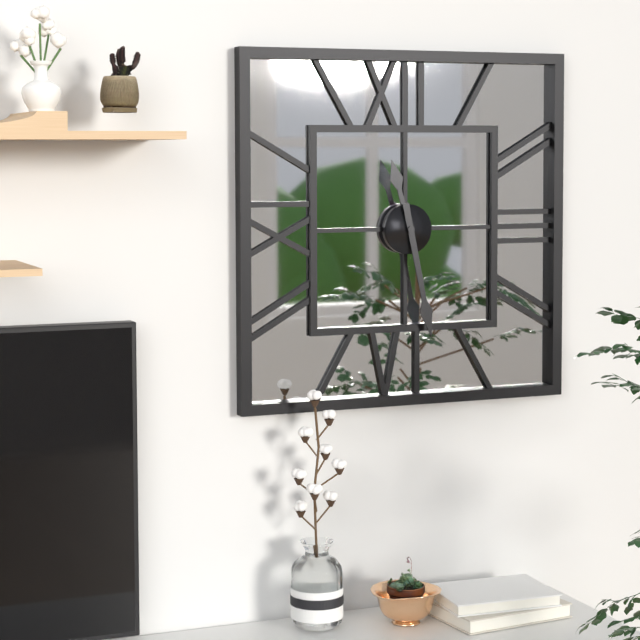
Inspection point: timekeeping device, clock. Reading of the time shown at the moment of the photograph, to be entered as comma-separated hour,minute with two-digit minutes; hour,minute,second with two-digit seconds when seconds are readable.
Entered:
11,28
